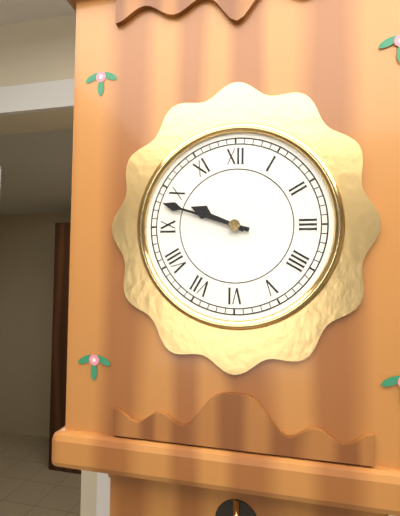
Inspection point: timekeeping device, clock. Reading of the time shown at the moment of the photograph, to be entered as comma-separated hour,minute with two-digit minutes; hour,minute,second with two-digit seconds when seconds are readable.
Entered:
9,48
